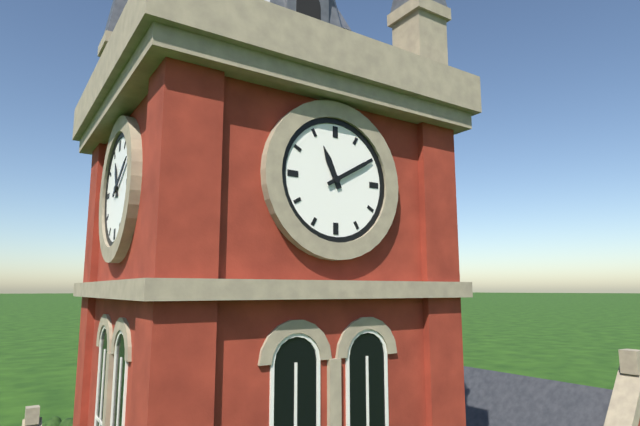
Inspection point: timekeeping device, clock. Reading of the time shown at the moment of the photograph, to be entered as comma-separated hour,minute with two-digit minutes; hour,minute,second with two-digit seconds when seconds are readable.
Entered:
11,10
